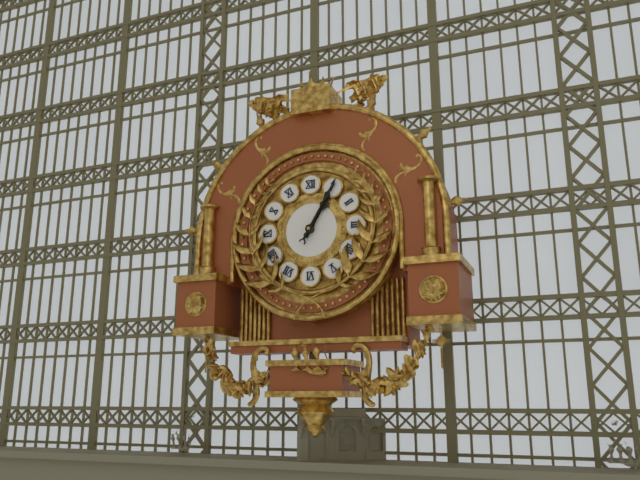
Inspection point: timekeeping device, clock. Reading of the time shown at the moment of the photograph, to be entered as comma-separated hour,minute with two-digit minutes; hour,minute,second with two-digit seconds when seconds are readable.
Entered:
1,05
